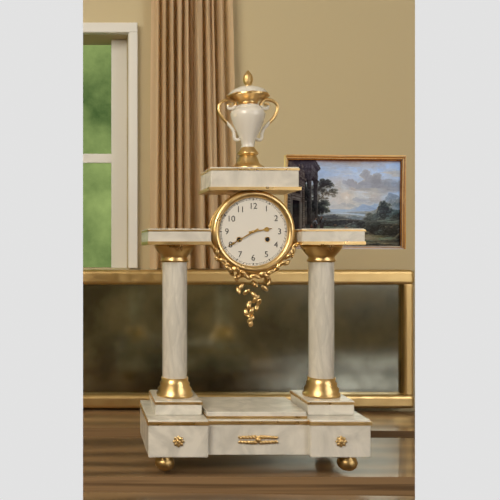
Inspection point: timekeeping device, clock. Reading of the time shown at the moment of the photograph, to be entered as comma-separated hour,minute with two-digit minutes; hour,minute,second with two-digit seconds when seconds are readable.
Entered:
2,40
